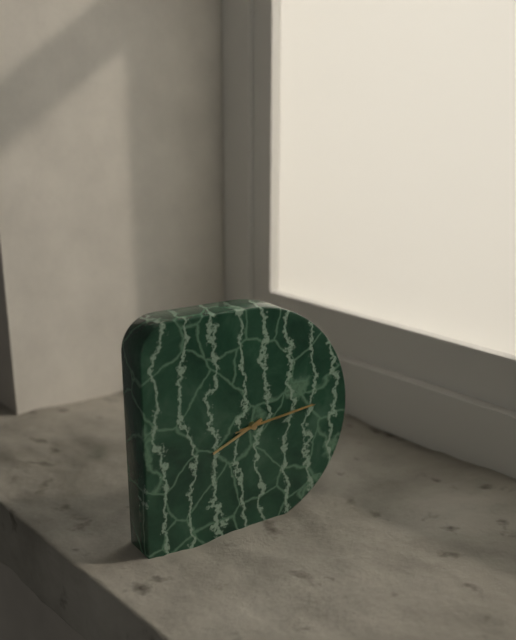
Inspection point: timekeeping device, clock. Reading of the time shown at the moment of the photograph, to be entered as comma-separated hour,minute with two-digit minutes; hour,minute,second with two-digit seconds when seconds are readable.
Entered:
8,14,14
